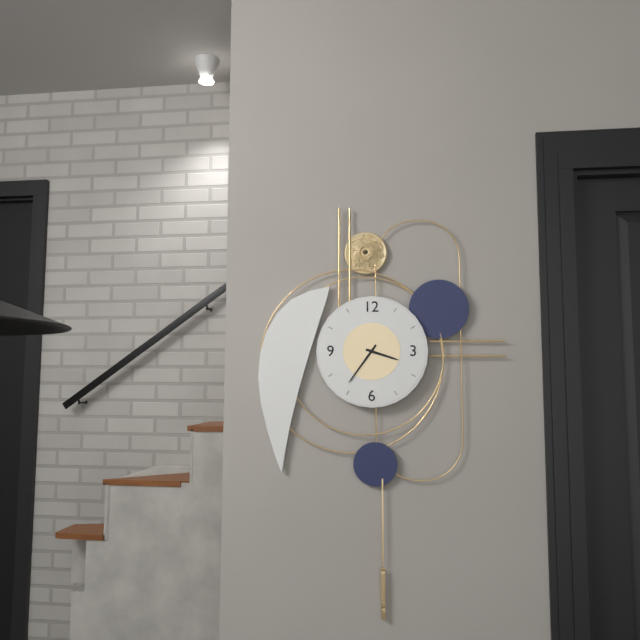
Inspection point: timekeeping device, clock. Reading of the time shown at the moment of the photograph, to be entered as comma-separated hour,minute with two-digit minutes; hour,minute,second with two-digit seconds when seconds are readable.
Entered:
3,36
